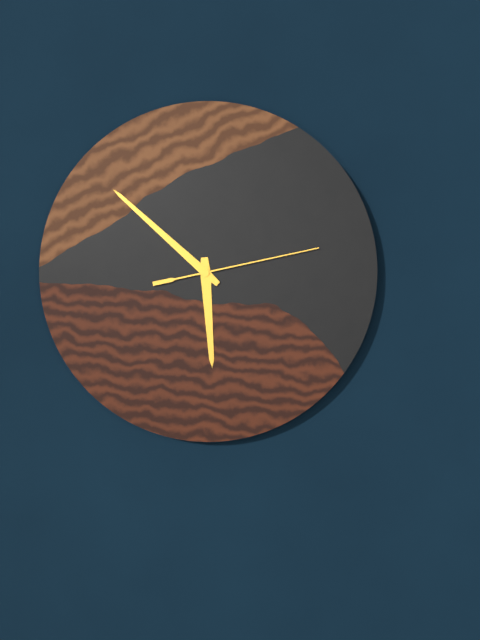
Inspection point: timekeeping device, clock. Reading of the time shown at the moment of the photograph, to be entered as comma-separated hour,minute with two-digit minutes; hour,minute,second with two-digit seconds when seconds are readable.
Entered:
5,52,13
